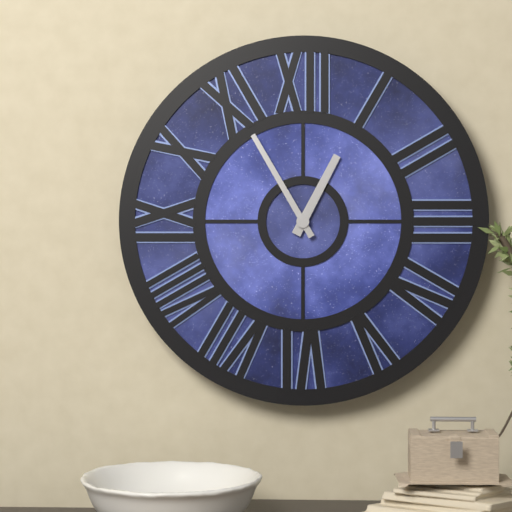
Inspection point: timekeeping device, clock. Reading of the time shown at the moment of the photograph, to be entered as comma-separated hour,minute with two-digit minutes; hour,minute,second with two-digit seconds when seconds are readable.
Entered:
12,55
